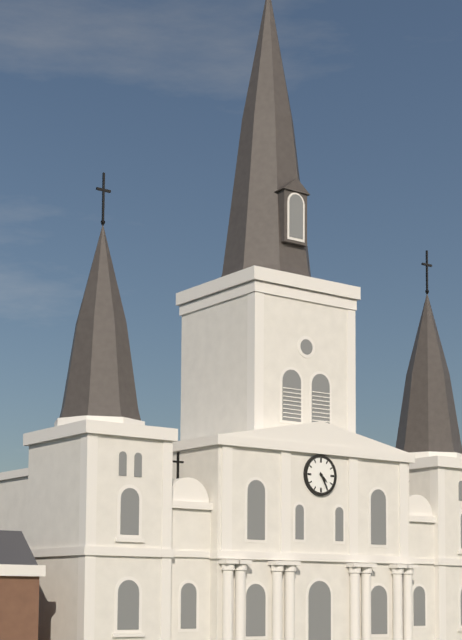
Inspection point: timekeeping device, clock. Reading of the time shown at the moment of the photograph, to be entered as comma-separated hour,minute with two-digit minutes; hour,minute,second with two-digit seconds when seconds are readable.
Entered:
4,25
